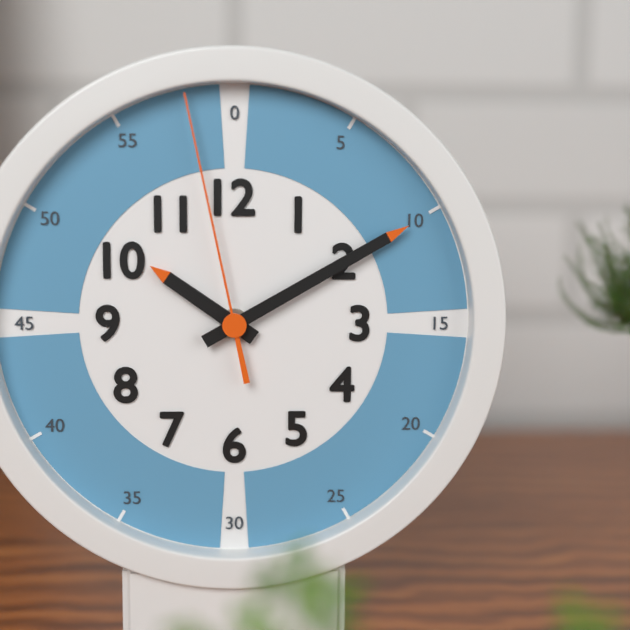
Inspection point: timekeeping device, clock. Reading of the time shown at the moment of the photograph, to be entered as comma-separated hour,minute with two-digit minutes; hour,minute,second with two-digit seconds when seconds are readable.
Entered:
10,10,58
